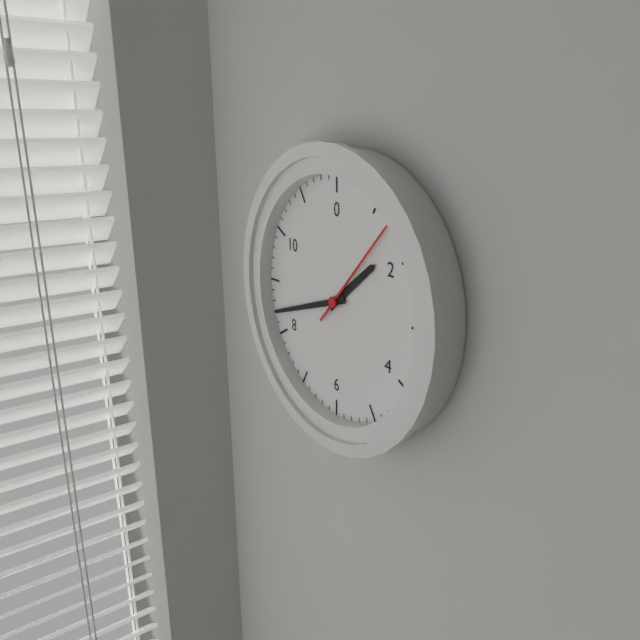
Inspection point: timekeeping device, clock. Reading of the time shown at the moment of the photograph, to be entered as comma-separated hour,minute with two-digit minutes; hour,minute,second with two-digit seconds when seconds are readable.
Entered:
1,42,07
